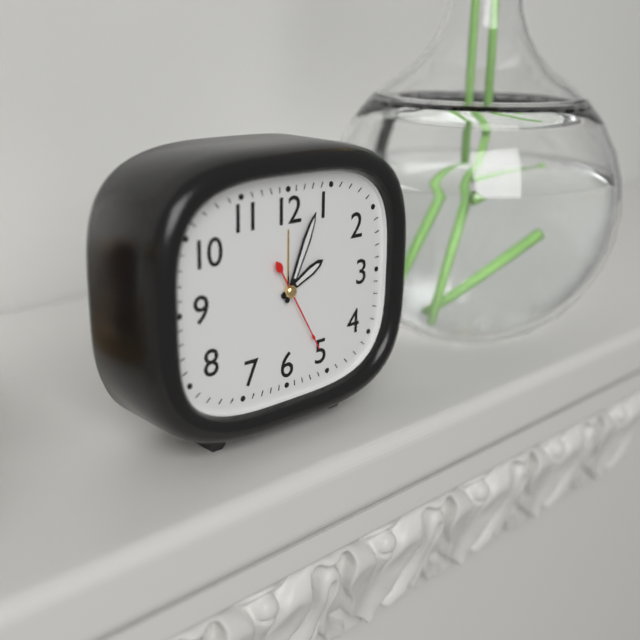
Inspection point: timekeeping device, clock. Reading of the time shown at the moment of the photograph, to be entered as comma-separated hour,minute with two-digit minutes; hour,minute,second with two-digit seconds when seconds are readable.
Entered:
2,04,25
